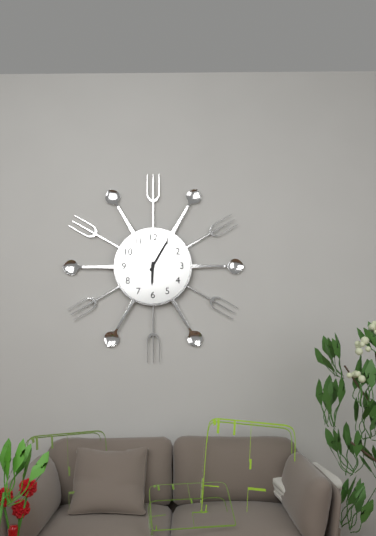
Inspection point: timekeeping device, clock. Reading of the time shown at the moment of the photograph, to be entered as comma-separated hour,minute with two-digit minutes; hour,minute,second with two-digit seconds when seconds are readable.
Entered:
6,05
